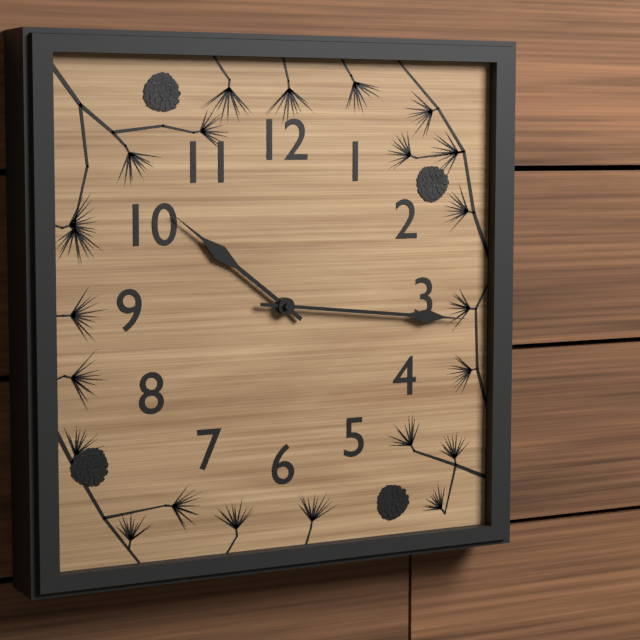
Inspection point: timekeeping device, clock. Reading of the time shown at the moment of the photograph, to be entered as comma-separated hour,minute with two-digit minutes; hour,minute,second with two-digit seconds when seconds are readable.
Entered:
10,16
